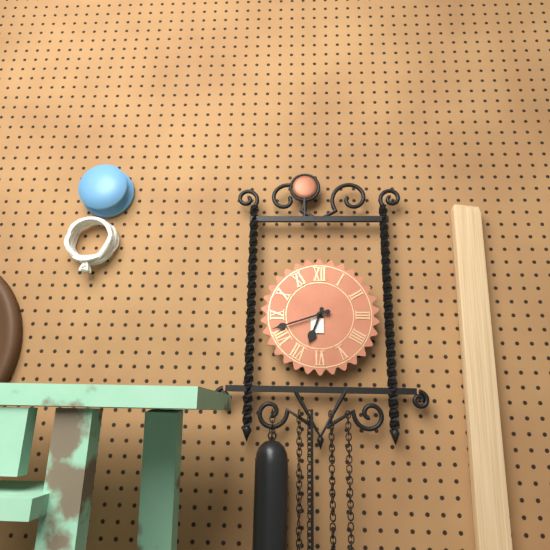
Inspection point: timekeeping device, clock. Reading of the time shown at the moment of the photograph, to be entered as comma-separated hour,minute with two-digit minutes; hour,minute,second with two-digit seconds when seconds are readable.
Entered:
6,42
